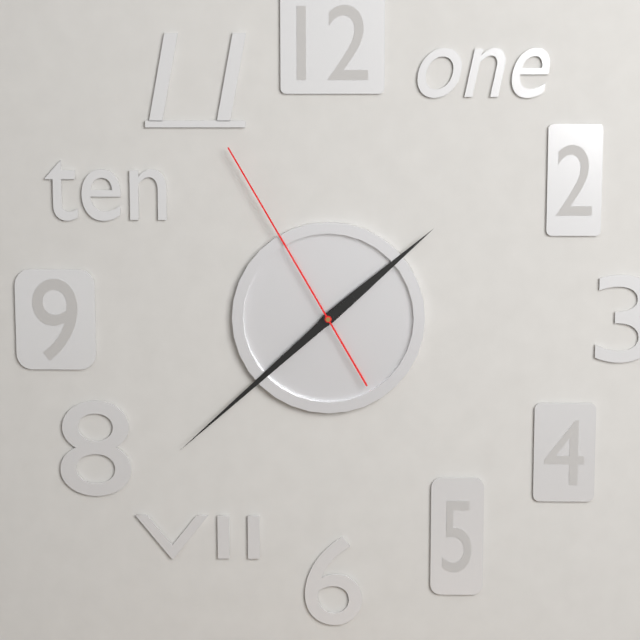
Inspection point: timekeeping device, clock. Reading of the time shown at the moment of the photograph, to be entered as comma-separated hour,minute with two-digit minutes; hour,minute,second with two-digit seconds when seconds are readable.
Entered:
1,38,55
